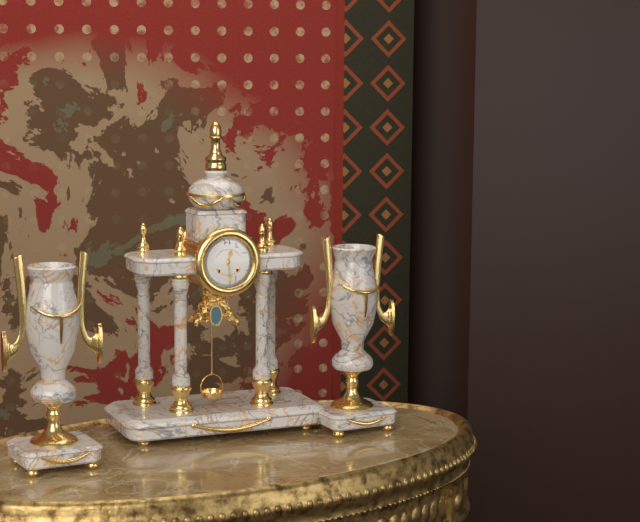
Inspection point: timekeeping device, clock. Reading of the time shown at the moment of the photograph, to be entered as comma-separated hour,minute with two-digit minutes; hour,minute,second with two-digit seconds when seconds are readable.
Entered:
12,29
